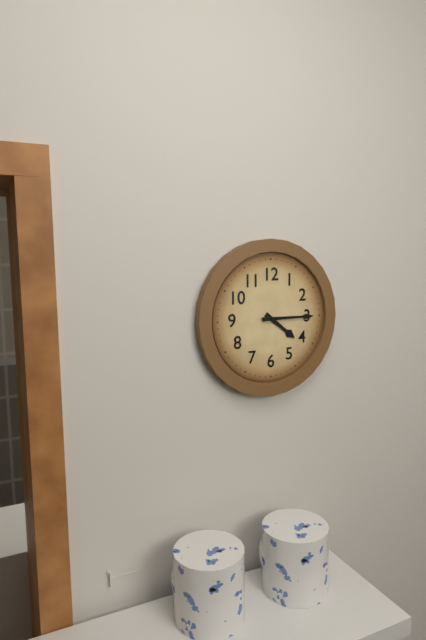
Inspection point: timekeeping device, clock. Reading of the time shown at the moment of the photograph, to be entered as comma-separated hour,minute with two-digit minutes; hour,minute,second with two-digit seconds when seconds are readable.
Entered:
4,15
